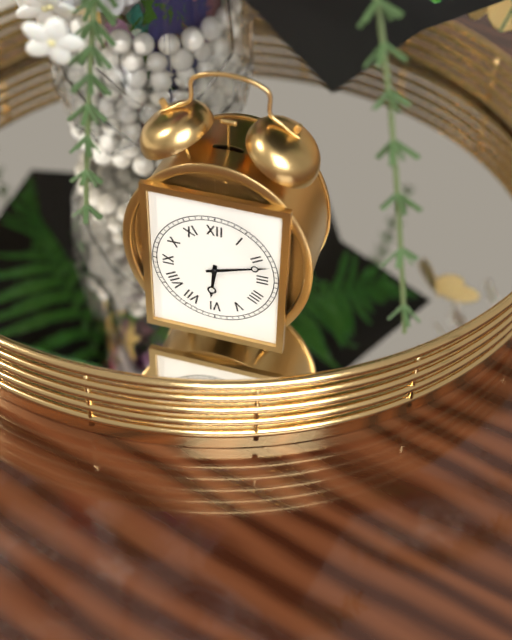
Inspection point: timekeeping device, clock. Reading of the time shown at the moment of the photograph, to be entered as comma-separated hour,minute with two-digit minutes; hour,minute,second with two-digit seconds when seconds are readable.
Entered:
6,12
